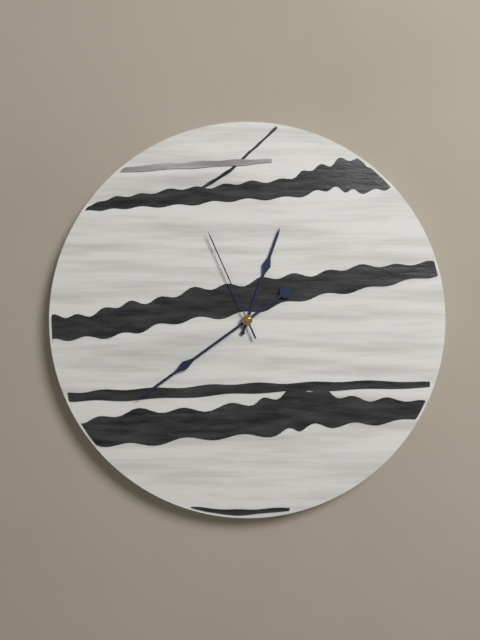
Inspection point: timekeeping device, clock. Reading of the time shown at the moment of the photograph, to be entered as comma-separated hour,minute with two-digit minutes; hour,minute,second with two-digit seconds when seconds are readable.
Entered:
12,39,56
